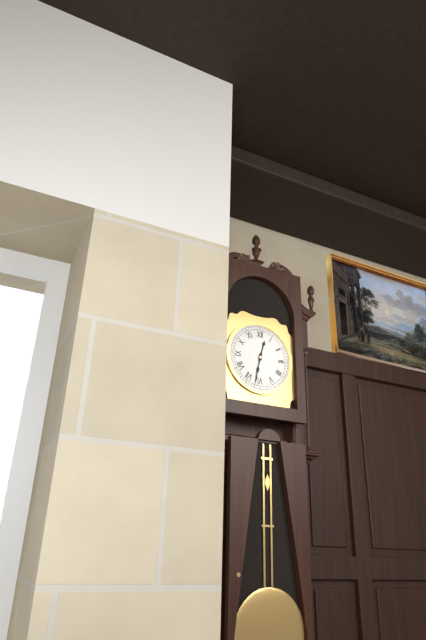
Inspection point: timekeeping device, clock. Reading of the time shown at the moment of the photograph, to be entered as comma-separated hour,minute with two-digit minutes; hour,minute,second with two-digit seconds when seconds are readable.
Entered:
12,32
